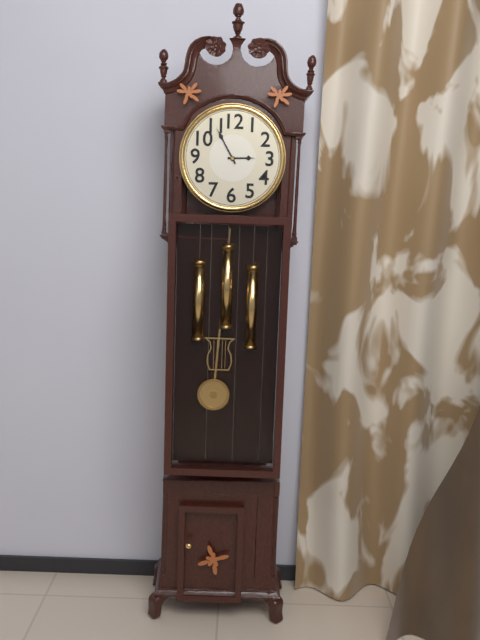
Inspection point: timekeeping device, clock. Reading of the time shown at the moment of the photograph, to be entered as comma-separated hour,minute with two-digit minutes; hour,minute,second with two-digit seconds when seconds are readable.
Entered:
2,55
